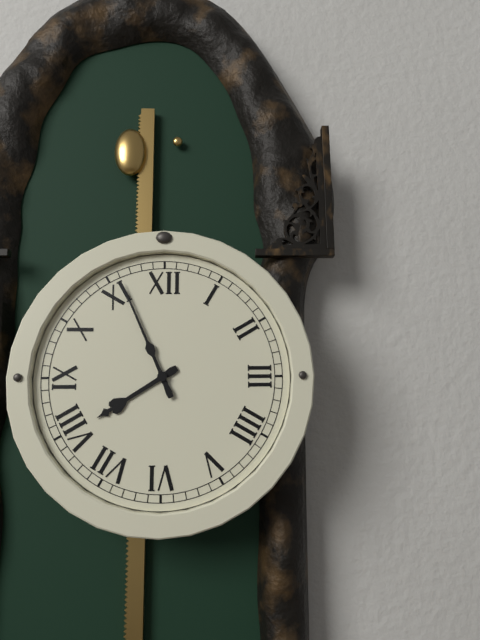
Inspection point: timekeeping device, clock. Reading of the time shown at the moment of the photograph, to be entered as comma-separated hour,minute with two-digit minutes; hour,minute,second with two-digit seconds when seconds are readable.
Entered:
7,56
